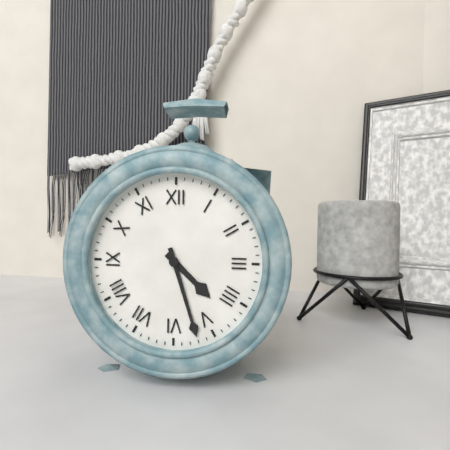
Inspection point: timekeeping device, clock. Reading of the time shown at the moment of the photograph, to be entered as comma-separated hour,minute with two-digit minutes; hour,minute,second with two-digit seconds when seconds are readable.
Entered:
4,27
